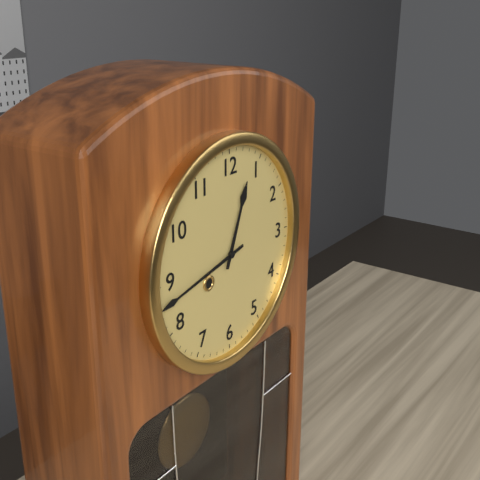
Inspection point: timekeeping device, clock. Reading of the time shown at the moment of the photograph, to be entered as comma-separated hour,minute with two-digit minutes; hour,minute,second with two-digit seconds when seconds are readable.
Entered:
12,43
